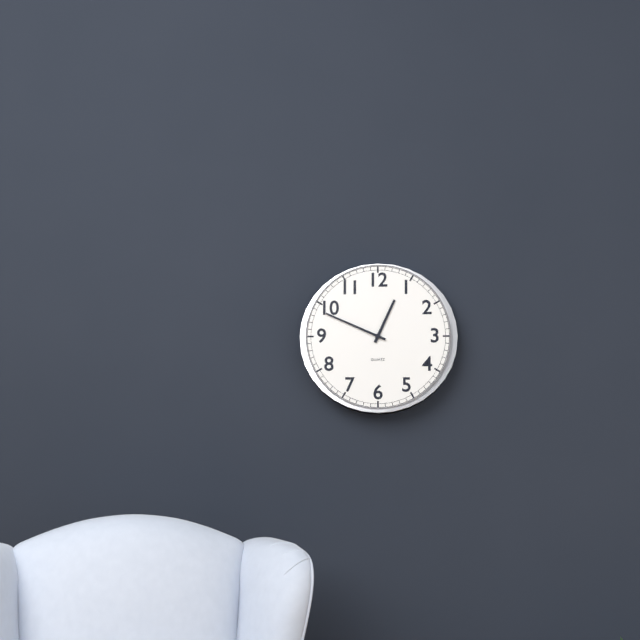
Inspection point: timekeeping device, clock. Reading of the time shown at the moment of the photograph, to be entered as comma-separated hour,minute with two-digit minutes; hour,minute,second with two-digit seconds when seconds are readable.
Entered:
12,49
